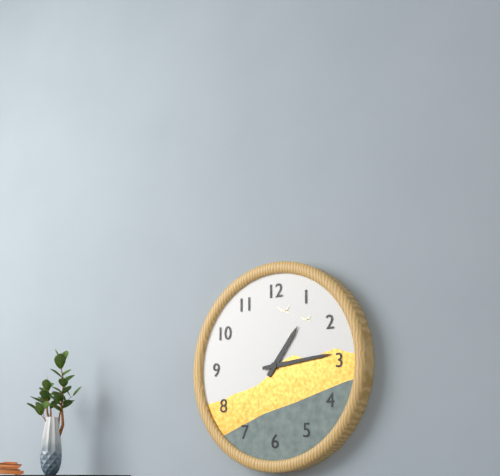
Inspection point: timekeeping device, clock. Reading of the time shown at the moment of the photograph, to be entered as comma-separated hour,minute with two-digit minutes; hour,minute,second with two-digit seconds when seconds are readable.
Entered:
1,14
